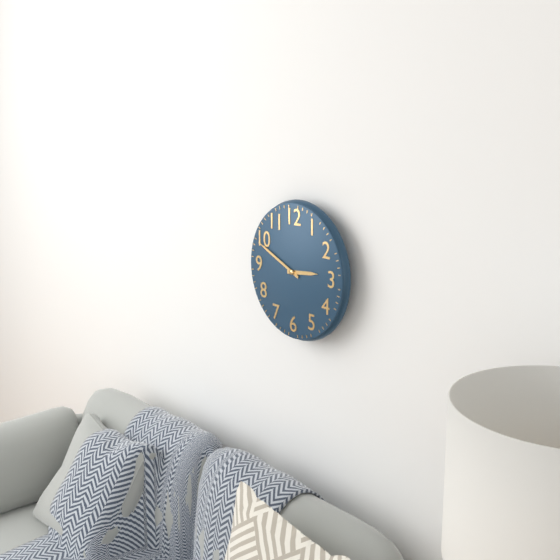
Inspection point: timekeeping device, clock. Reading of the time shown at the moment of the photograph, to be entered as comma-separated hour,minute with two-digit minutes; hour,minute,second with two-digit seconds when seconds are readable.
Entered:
2,49
